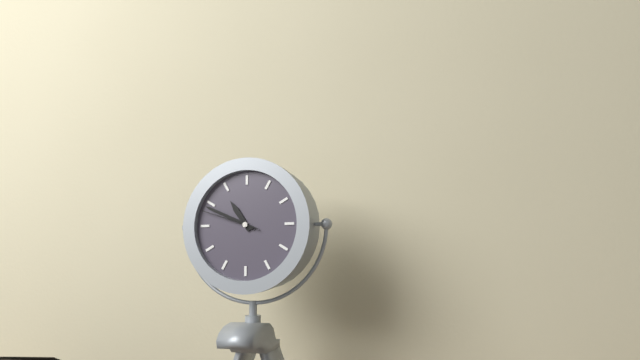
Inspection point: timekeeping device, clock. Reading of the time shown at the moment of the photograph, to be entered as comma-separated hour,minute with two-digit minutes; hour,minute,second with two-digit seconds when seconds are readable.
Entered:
10,49,48
